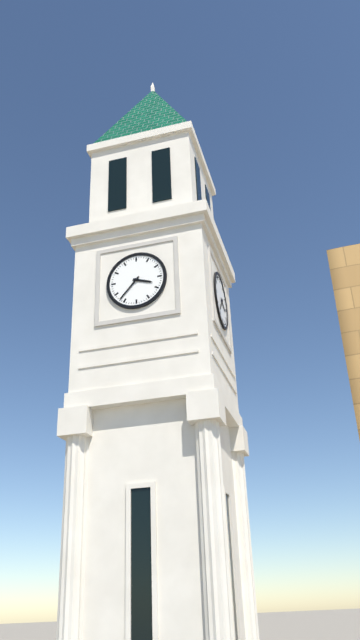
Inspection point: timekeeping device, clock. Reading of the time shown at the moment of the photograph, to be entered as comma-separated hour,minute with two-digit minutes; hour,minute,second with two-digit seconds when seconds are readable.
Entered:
3,37
